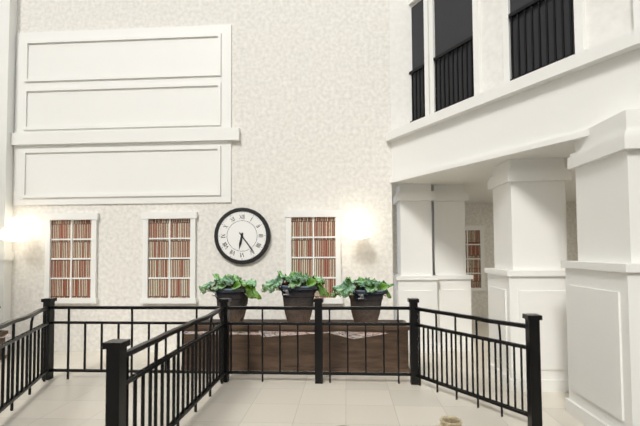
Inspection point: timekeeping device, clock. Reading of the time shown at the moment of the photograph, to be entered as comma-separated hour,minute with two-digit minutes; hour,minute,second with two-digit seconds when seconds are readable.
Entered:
6,24
